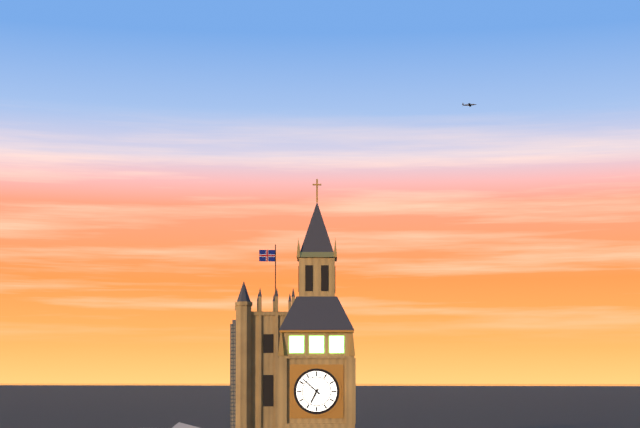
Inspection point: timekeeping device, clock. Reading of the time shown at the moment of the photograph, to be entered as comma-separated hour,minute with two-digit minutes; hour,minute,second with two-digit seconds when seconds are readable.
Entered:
6,52
